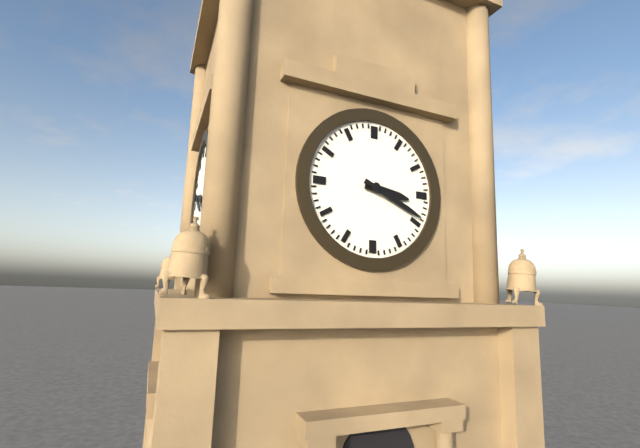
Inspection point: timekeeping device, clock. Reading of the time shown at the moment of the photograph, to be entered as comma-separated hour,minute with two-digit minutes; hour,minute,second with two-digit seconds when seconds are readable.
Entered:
3,19
